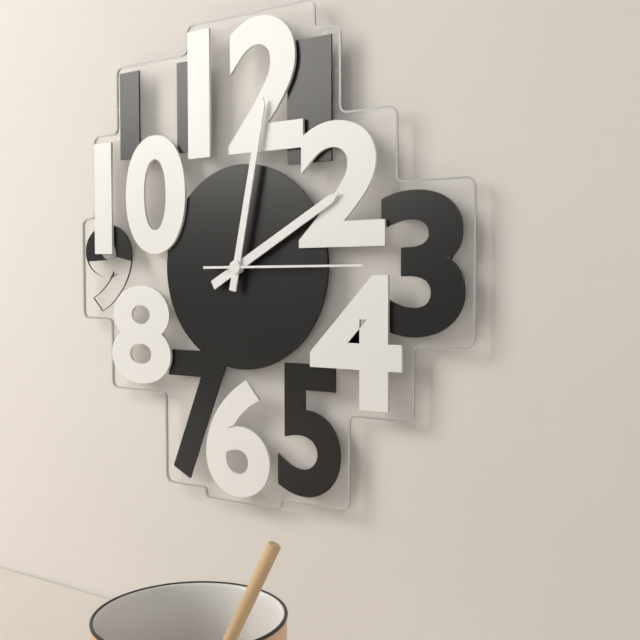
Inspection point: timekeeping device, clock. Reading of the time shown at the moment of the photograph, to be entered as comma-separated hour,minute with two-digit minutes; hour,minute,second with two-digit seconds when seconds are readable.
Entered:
2,02,15
